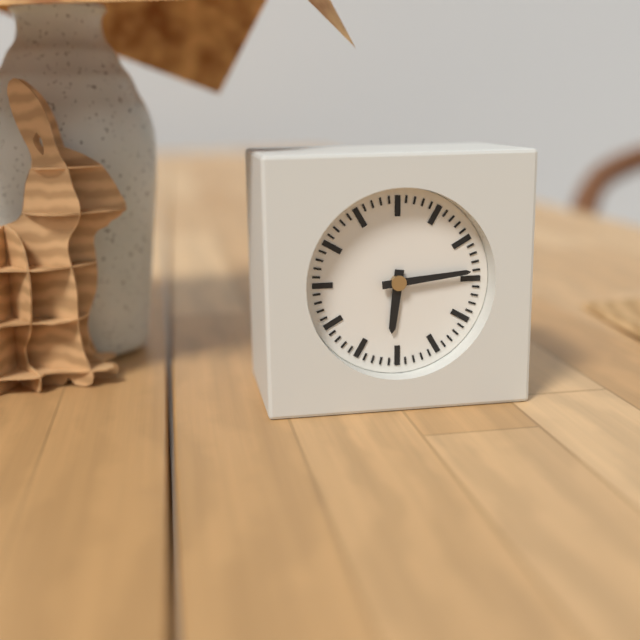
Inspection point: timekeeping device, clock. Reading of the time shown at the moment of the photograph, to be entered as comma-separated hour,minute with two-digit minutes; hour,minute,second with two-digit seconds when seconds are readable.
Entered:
6,14
